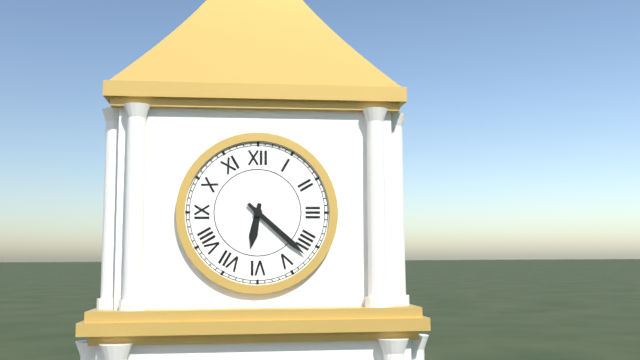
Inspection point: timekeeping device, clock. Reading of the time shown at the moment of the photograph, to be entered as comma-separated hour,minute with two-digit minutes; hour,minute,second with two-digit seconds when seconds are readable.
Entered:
6,22
